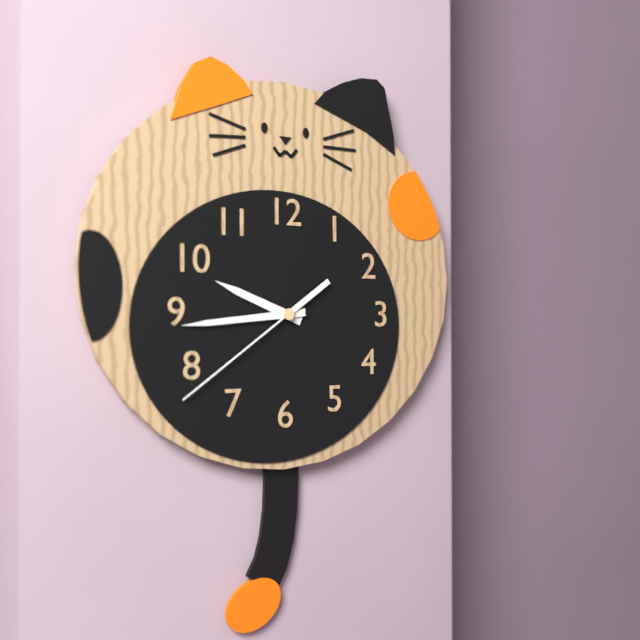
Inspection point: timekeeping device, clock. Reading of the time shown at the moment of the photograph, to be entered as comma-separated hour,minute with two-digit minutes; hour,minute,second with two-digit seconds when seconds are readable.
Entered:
9,44,39
